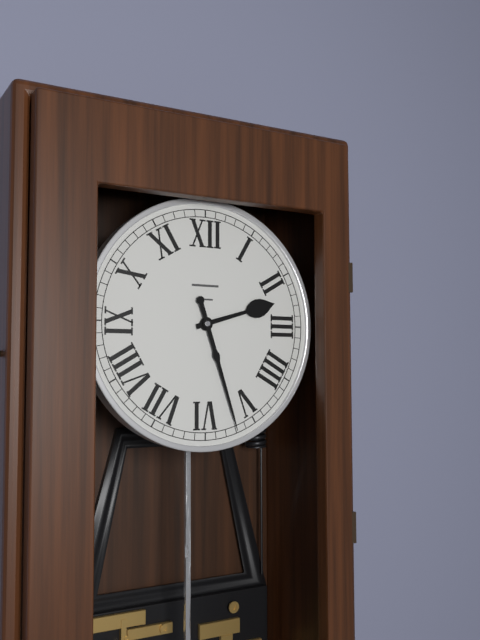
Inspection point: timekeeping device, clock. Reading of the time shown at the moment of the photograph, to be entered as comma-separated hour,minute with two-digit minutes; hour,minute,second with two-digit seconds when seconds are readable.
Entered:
2,27
